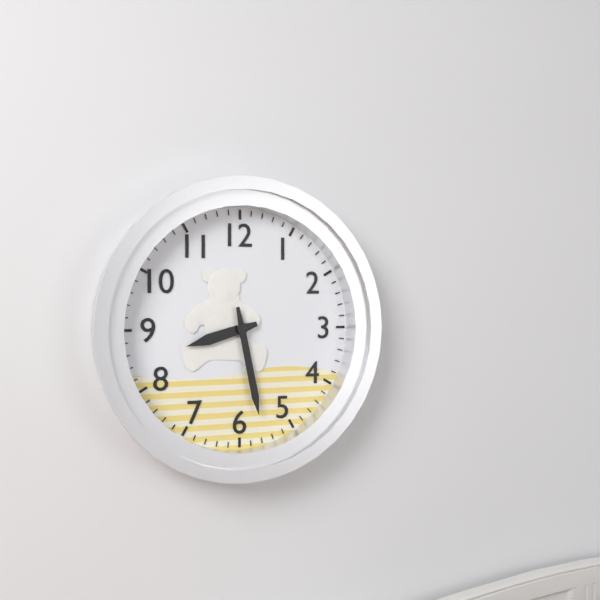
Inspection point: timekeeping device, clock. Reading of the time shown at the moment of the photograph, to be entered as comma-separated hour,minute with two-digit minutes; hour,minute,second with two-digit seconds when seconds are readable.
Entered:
8,28
